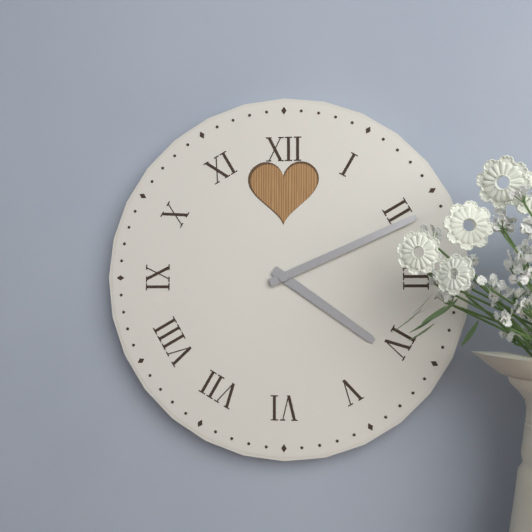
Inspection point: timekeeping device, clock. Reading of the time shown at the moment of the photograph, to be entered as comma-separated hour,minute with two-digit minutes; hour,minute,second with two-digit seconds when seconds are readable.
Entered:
4,11
